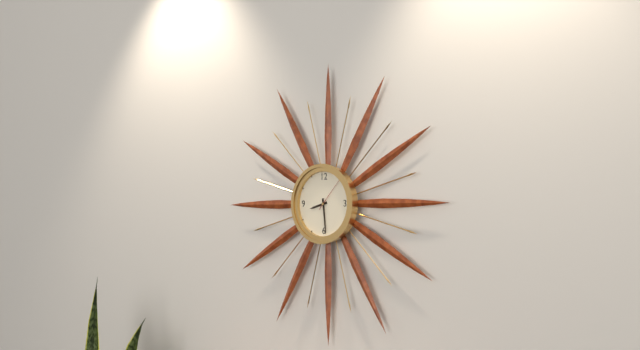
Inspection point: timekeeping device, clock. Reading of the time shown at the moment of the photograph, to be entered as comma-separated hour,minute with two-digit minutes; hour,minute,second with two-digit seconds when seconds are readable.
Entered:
8,29
